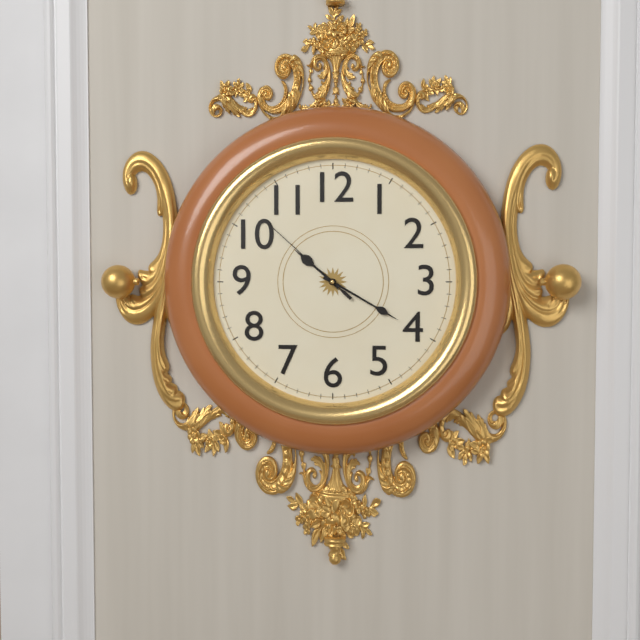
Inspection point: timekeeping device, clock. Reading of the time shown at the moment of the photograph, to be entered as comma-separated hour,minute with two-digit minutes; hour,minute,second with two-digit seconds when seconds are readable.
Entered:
10,20,52
